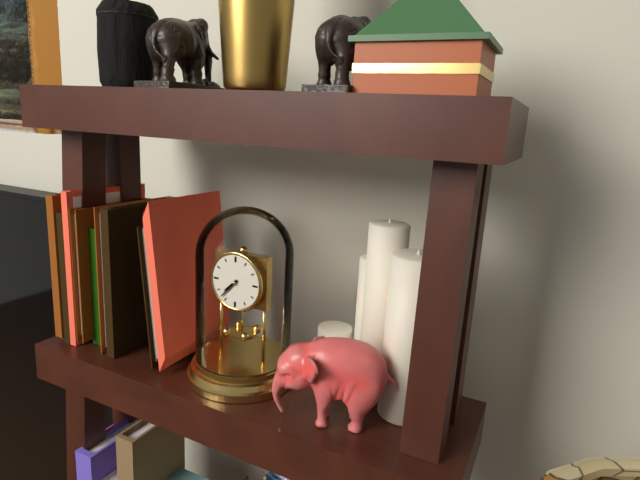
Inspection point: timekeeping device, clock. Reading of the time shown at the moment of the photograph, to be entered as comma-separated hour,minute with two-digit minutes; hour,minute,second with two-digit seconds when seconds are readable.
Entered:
7,37
